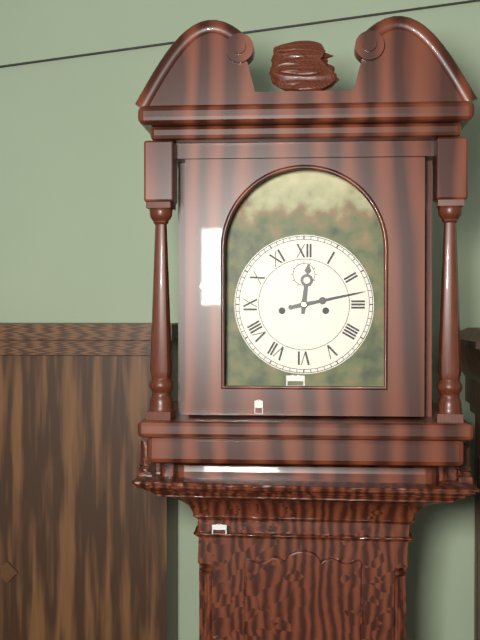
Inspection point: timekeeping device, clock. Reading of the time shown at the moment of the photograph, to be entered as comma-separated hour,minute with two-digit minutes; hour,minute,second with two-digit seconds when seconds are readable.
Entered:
12,13
